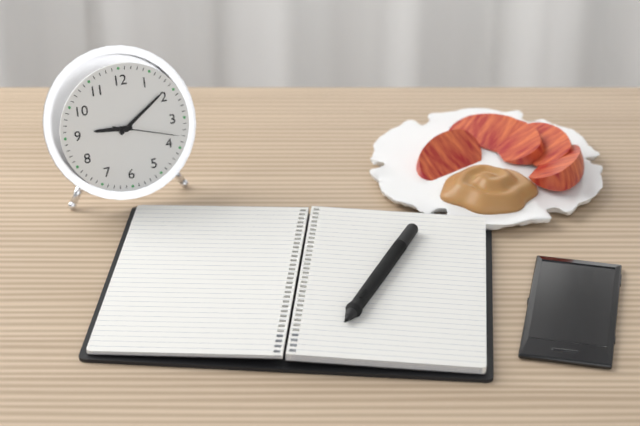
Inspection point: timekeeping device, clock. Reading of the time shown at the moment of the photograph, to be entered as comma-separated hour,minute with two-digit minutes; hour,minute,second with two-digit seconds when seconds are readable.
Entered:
9,09,18
